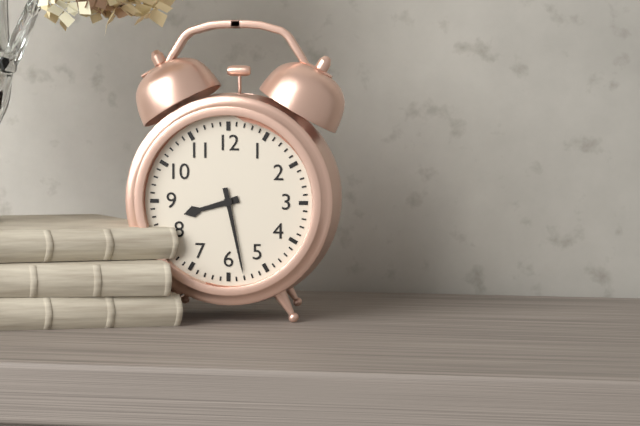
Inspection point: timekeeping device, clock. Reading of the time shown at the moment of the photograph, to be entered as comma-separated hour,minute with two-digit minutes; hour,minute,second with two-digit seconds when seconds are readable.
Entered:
8,28
